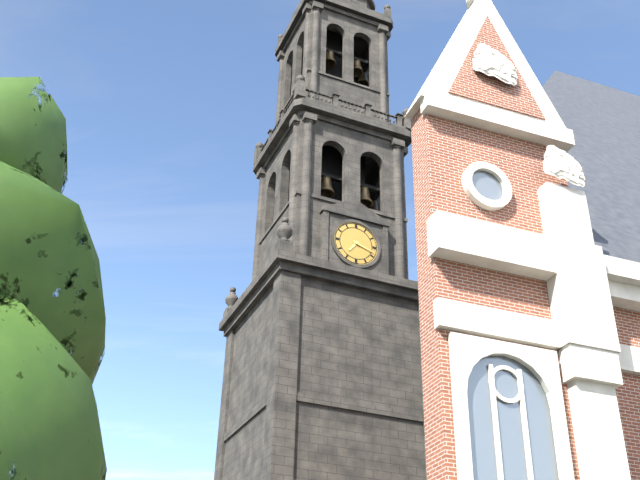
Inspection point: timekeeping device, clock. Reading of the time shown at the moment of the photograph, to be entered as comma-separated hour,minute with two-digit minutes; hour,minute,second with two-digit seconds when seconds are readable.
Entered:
7,18
